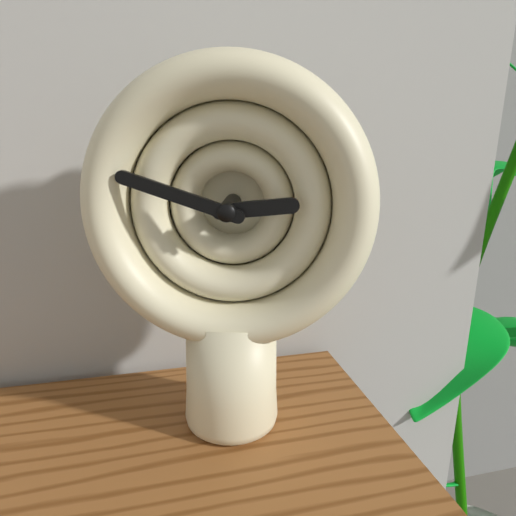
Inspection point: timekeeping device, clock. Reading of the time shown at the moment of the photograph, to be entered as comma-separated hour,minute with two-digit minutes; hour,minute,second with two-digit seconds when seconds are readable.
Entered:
2,48
